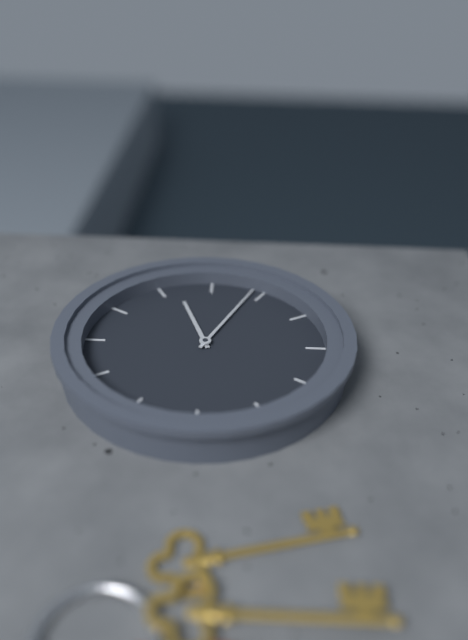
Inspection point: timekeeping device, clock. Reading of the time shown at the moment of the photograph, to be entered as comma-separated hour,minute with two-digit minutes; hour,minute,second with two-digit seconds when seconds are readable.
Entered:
2,19
